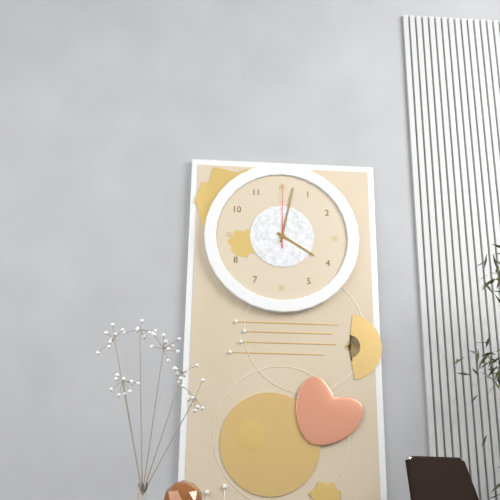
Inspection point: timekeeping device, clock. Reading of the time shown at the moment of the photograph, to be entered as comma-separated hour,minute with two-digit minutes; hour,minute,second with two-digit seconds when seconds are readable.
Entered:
4,02,00
